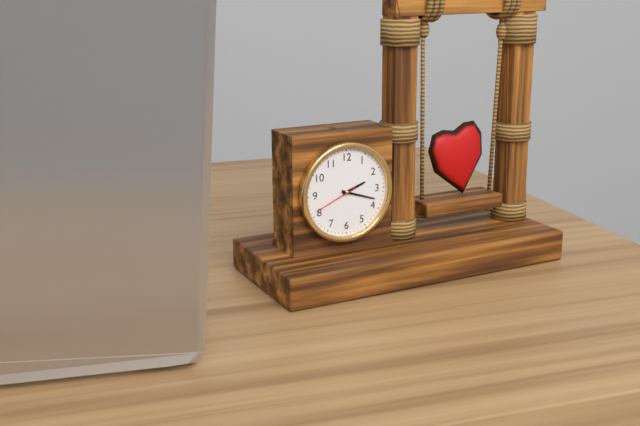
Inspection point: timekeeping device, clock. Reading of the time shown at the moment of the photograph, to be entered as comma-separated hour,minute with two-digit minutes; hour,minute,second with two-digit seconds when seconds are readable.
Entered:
2,18
